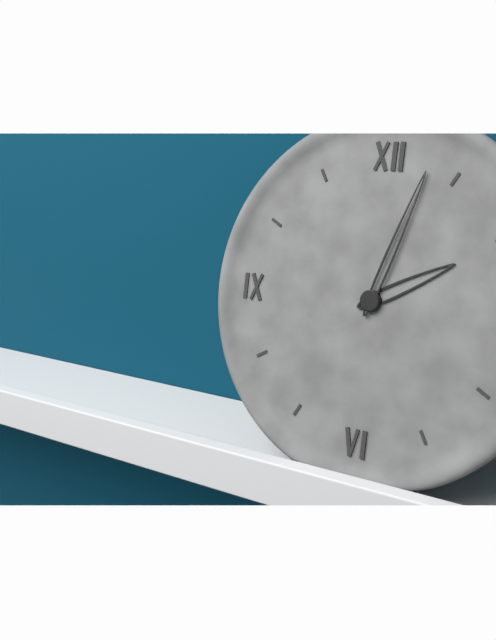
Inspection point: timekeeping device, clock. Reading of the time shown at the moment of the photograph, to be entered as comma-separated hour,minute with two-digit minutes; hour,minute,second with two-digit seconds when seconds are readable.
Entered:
2,03
